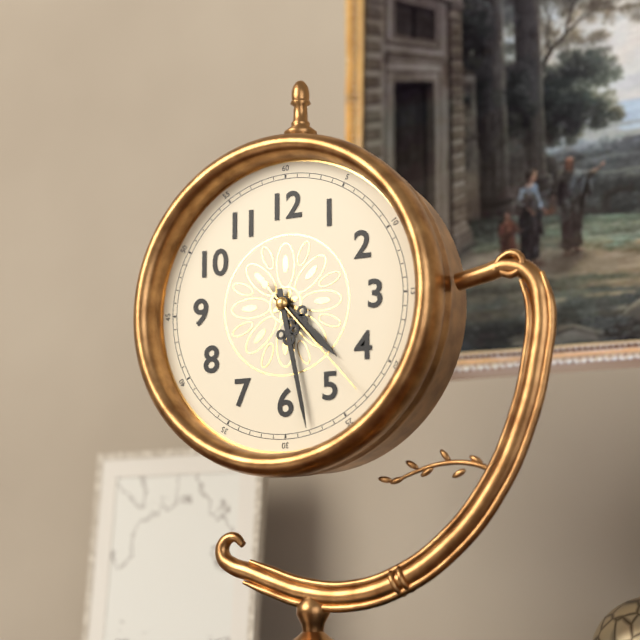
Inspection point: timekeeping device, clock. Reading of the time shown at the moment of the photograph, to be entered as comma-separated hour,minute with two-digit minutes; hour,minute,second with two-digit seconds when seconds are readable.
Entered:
4,28,23
